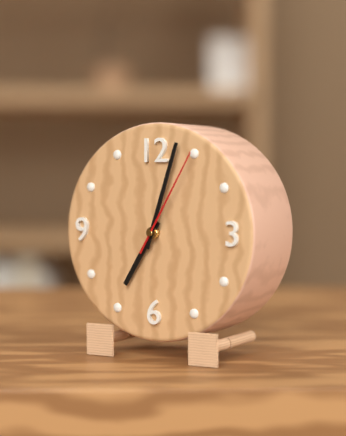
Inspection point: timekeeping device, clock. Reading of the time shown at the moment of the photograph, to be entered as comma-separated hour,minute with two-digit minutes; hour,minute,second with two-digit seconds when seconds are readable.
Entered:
7,03,05
